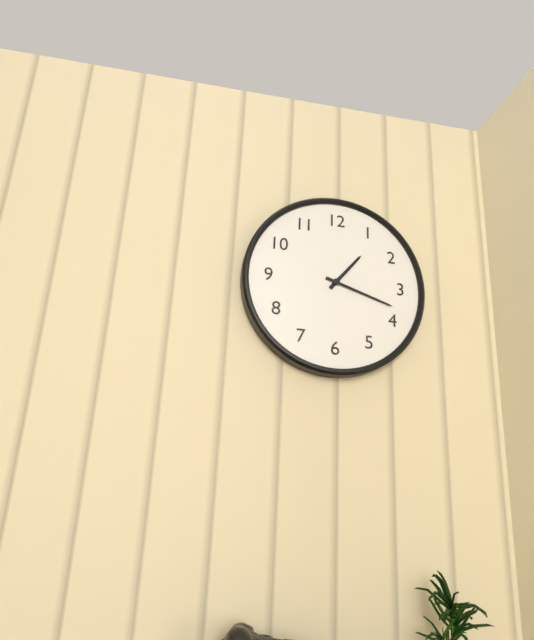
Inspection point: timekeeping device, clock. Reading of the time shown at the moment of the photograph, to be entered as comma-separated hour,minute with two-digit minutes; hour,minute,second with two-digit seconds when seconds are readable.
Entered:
1,18
